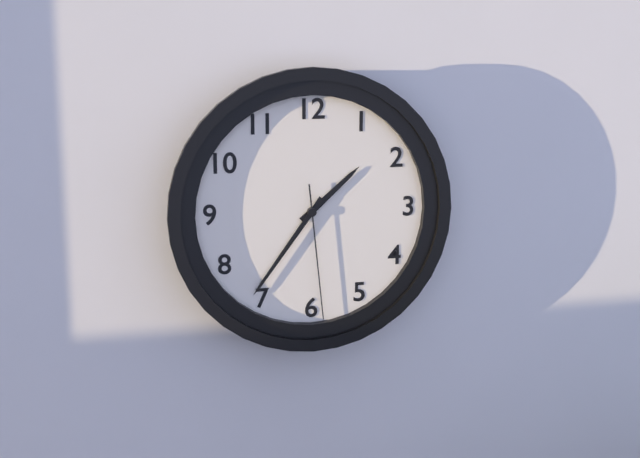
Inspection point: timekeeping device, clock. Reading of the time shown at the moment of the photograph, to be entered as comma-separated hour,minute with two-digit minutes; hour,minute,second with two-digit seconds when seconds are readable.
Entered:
1,36,29
